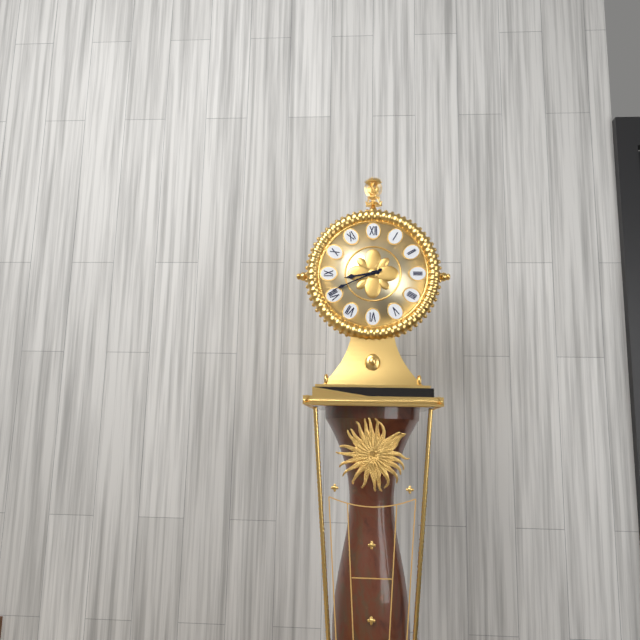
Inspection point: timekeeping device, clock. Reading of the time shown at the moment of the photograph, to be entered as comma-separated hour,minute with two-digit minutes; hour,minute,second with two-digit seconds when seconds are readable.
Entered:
8,41
